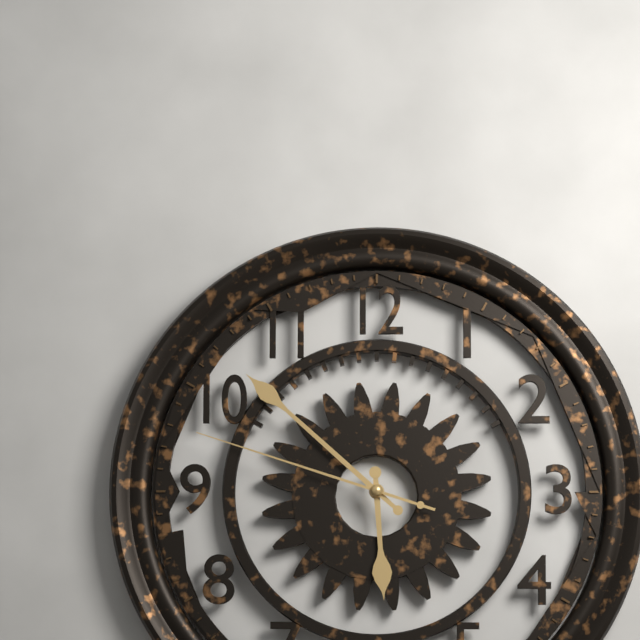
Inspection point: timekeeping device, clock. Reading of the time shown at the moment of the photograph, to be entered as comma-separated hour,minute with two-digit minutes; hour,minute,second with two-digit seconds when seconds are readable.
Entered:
5,52,48
